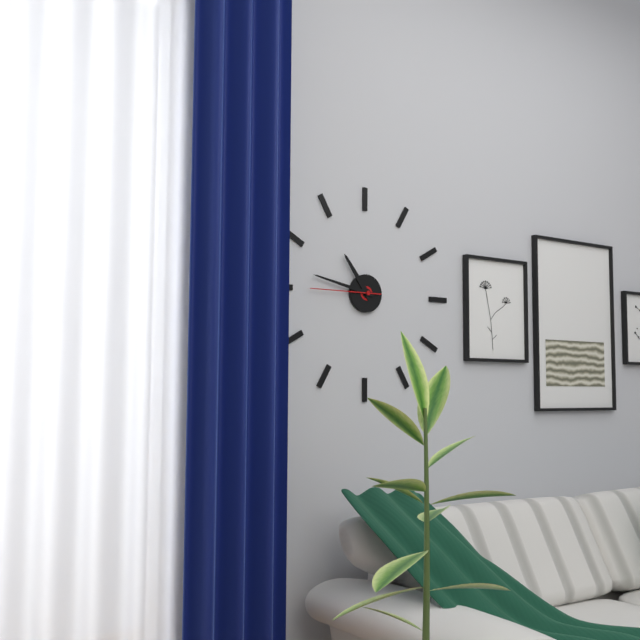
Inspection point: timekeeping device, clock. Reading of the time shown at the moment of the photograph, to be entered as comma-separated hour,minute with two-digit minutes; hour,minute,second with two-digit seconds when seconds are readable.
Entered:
10,47,45
